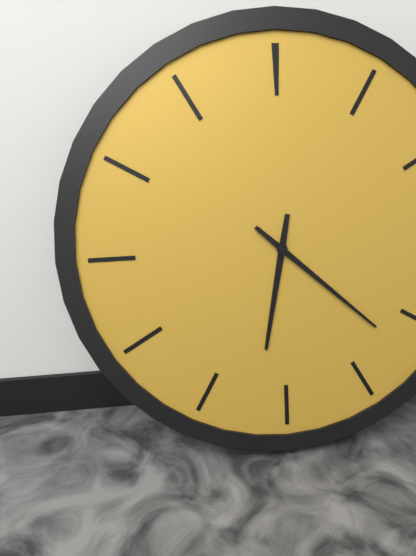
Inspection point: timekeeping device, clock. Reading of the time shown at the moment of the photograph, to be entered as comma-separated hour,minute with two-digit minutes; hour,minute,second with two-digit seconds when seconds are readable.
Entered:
6,22
